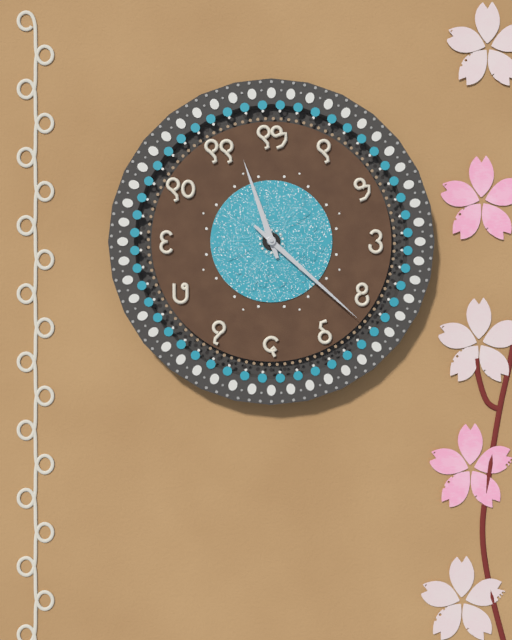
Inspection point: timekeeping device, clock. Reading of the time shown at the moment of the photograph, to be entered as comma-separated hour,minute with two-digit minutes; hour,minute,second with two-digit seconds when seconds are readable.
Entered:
11,22
